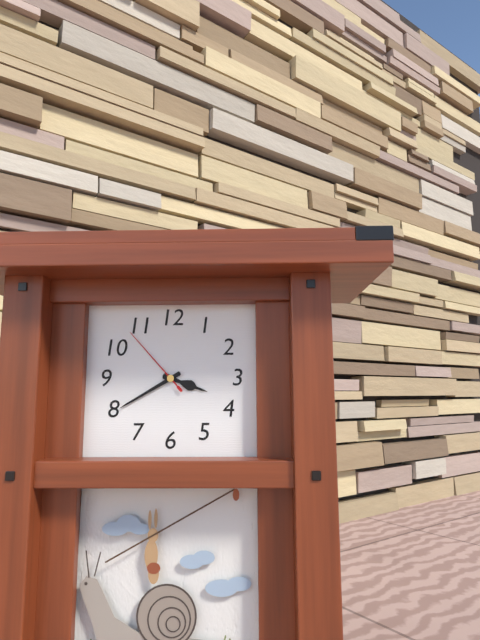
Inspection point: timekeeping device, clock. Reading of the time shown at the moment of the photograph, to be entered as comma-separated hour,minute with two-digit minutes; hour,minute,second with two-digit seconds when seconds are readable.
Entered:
3,40,53
